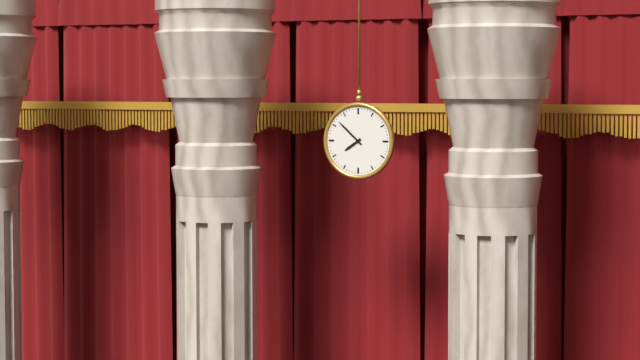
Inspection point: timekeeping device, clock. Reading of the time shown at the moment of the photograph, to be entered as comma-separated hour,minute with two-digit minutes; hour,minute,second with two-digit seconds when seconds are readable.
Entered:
7,52
